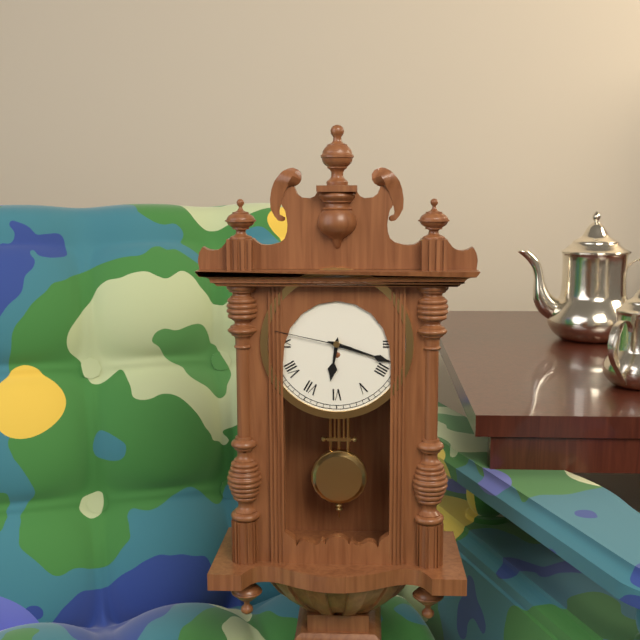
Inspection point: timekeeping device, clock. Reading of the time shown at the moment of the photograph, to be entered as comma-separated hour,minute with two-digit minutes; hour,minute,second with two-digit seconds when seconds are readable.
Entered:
6,18,47
